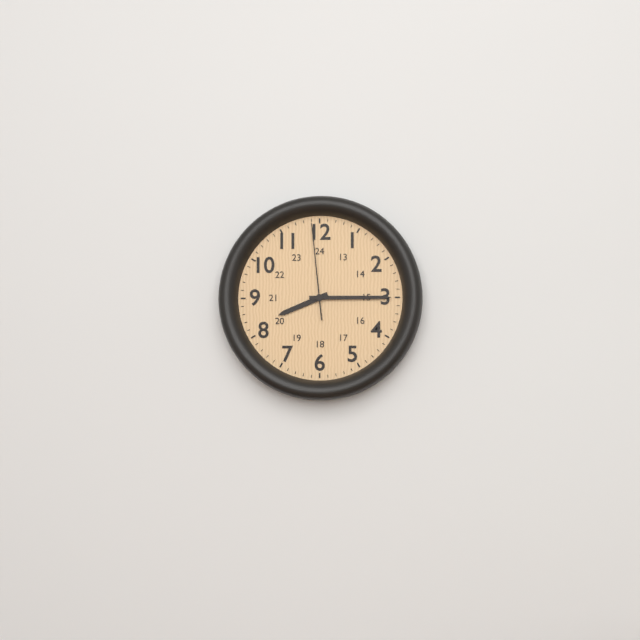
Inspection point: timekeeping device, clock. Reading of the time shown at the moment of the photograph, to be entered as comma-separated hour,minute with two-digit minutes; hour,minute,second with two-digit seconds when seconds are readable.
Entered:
8,15,59
